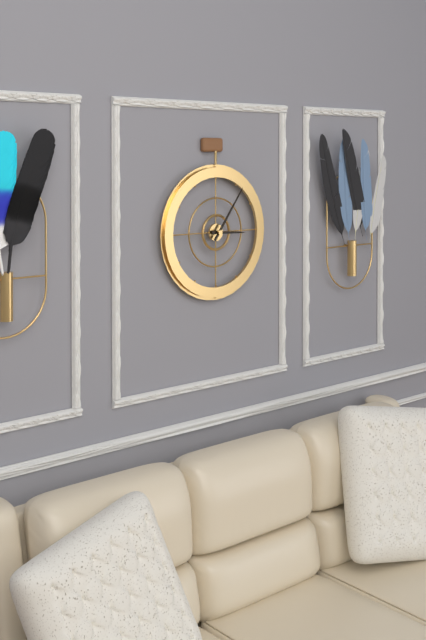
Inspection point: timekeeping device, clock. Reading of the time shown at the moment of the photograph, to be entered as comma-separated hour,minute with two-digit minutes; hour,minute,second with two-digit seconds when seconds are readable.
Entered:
3,06
